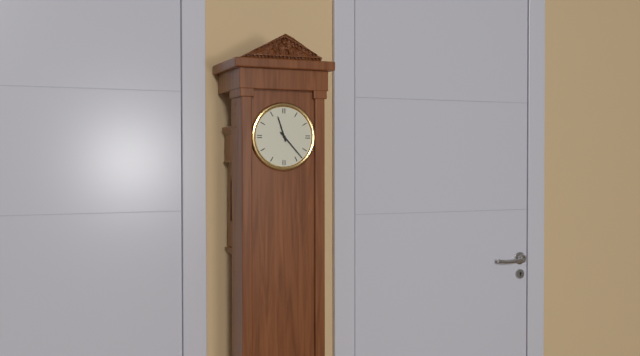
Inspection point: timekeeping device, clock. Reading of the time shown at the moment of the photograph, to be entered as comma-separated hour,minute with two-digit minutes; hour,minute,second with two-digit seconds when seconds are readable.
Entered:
11,23
